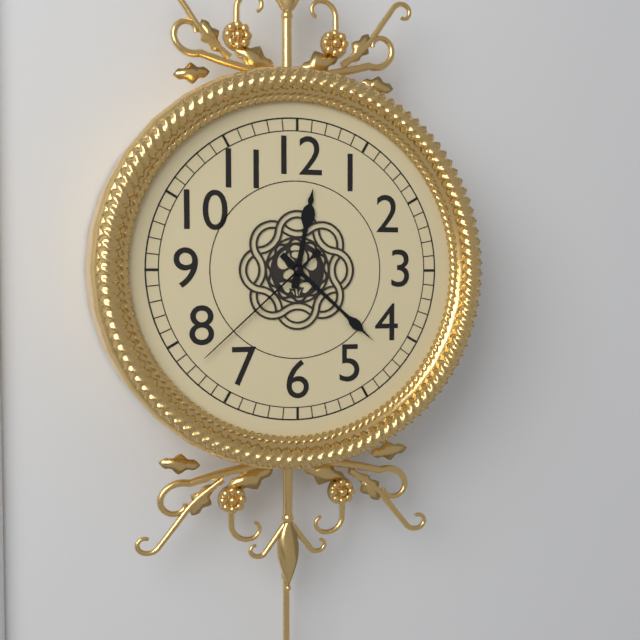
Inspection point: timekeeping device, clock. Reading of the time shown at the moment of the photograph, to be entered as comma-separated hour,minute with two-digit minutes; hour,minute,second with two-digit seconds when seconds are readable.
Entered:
12,22,38
